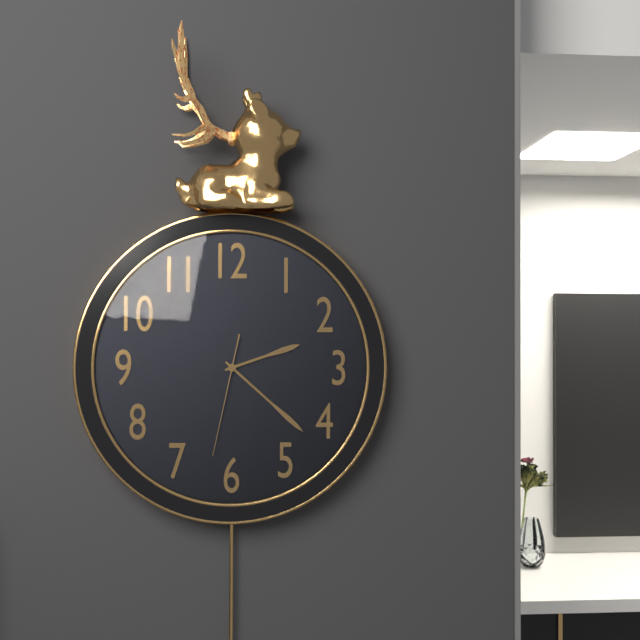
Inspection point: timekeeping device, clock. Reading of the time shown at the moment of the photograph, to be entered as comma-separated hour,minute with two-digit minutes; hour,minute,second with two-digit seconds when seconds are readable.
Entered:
2,22,32
